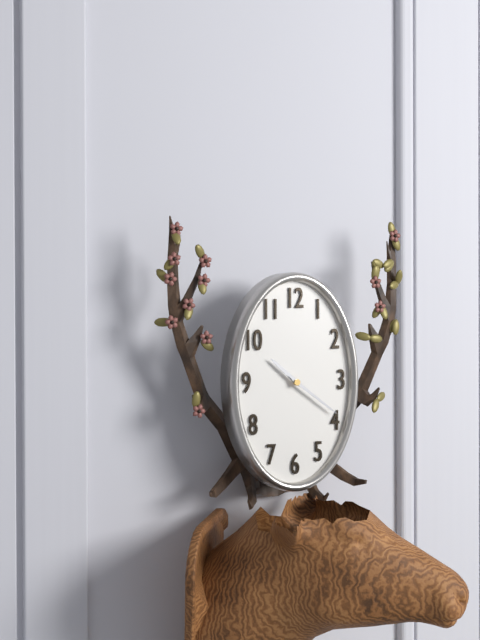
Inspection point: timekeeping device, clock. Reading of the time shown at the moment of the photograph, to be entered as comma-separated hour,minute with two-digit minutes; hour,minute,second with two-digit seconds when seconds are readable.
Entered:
10,21
